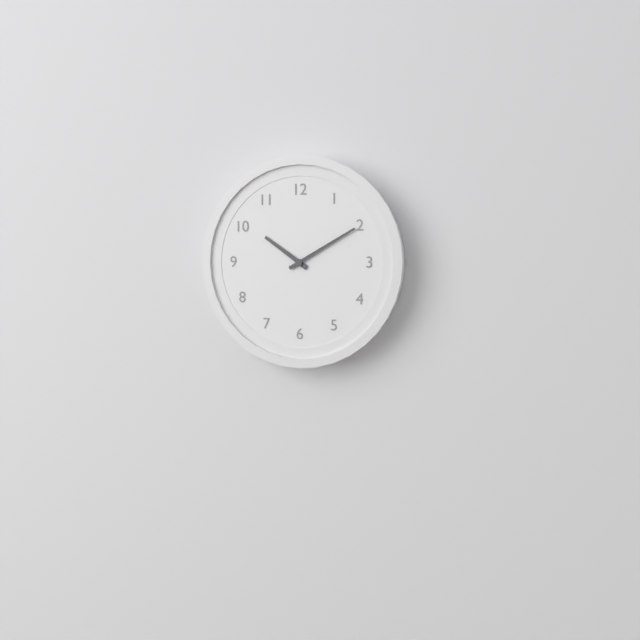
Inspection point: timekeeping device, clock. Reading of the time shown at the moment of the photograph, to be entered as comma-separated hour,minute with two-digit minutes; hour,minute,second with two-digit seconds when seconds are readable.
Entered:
10,10
